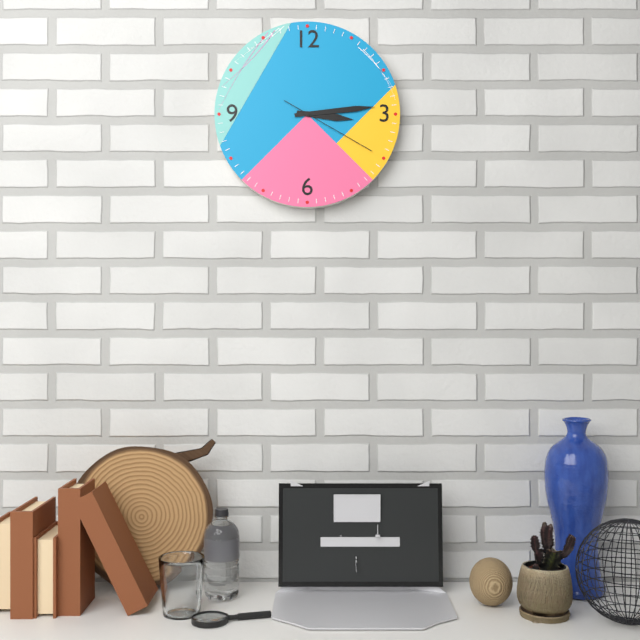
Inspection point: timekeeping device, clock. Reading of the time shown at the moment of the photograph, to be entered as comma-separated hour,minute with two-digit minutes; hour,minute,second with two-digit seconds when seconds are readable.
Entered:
3,14,20
